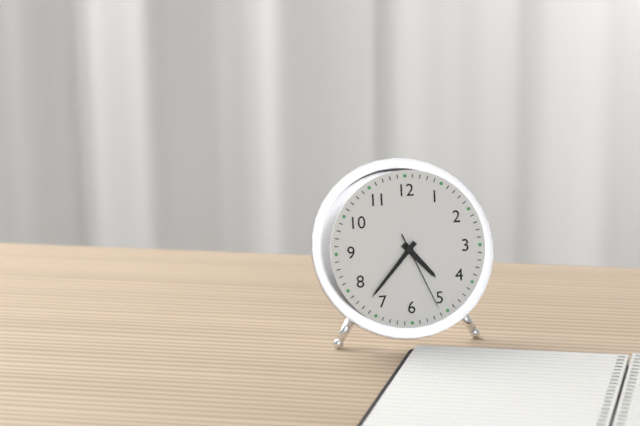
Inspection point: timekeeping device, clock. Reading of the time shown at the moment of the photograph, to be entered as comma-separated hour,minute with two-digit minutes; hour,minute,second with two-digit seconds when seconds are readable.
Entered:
4,37,26
